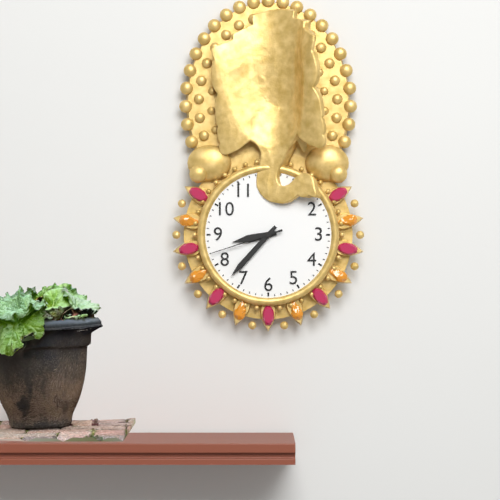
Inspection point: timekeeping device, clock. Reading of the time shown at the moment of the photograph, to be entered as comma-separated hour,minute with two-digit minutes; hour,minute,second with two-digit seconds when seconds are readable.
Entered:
8,37,42
